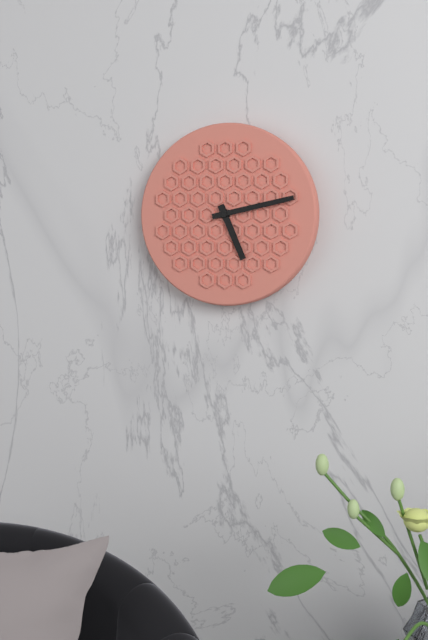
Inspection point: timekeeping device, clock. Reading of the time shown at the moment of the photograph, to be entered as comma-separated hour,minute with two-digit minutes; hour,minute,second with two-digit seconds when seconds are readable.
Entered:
5,13
